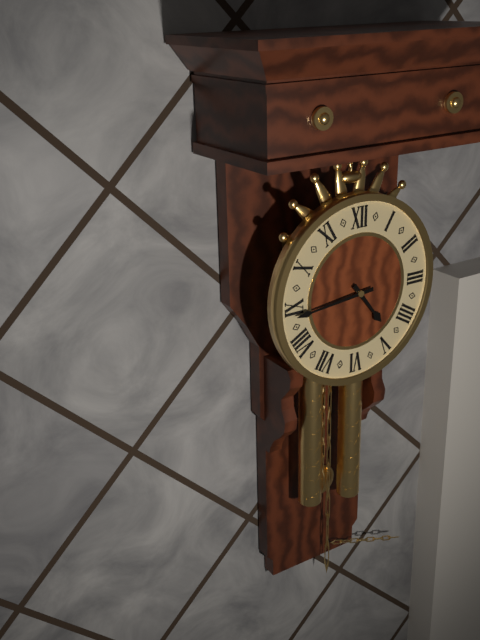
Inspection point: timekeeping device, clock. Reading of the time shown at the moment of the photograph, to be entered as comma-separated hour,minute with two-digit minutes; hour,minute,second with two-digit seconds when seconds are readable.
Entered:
4,44
